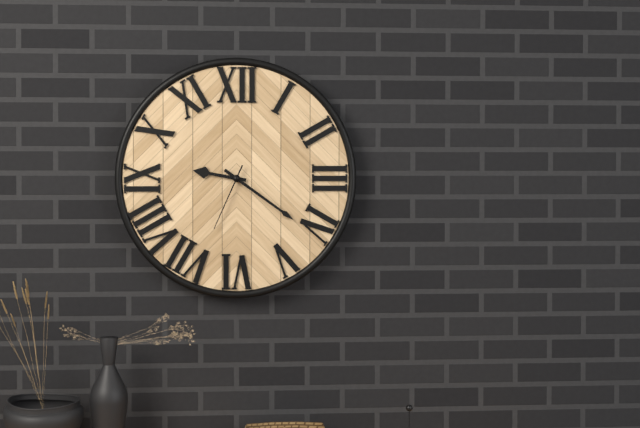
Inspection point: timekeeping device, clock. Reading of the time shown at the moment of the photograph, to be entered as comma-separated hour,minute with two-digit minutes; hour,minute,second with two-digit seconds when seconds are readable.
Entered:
9,21,34
